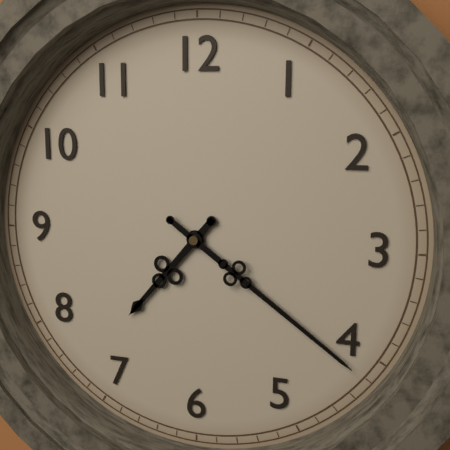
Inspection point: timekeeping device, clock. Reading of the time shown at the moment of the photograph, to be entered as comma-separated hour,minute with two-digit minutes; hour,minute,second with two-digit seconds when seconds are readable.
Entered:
7,21
